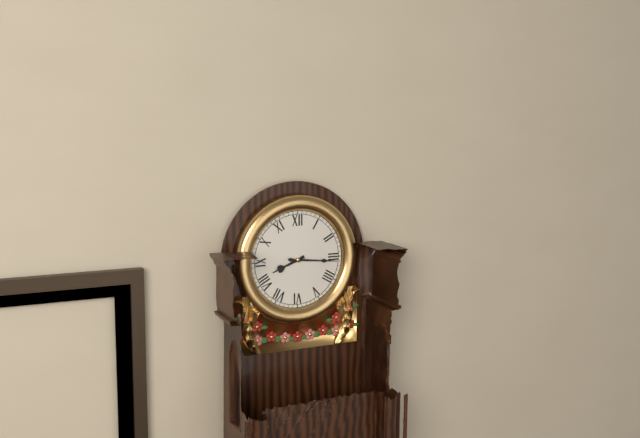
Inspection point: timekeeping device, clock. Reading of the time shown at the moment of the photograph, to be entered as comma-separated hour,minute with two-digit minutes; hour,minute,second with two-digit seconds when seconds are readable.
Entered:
8,16
